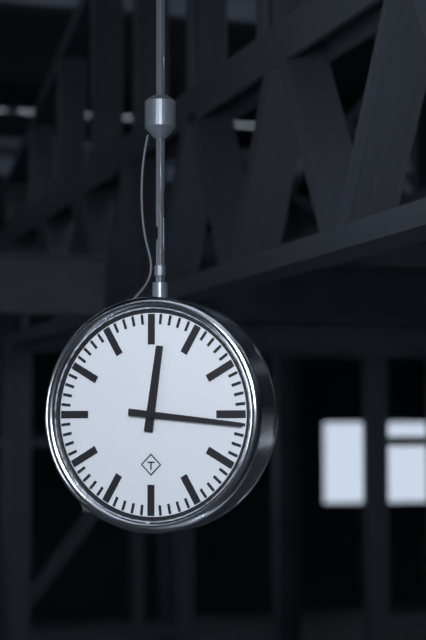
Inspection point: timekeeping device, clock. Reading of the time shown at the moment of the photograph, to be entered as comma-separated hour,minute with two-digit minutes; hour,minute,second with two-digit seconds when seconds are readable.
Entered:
12,16
